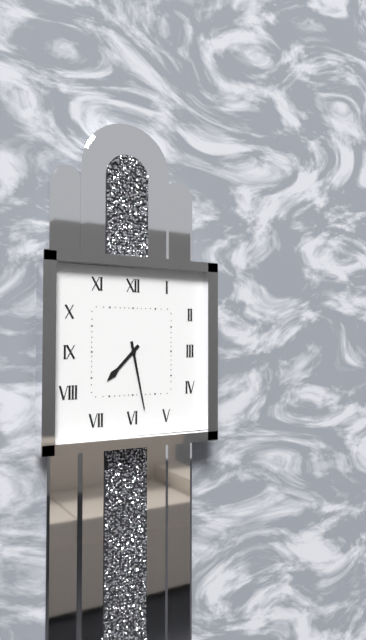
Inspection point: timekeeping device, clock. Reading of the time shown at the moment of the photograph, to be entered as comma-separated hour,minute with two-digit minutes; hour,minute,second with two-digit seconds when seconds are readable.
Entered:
7,28
